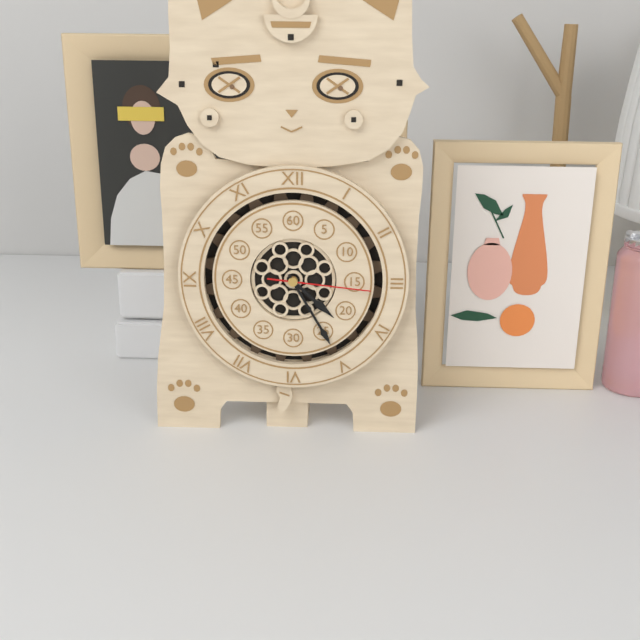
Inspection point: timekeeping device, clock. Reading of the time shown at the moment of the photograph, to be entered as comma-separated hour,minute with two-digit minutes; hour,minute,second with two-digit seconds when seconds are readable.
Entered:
4,25,16
